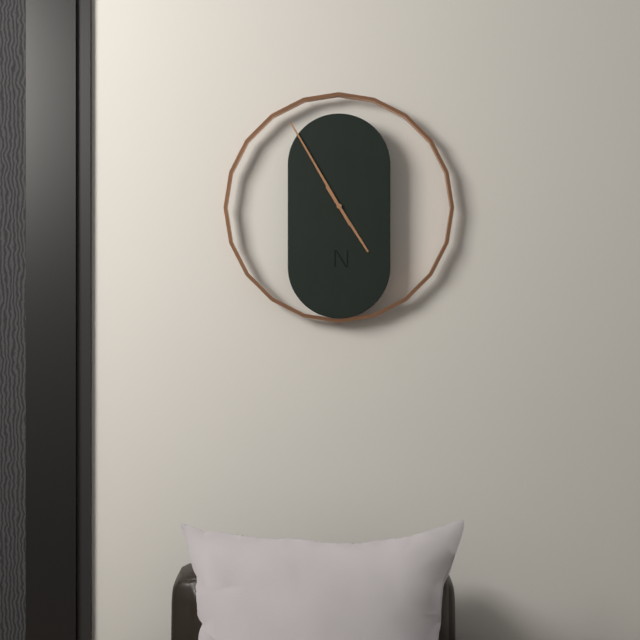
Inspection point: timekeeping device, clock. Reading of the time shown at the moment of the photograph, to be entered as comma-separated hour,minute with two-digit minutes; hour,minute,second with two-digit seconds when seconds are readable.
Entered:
4,55
